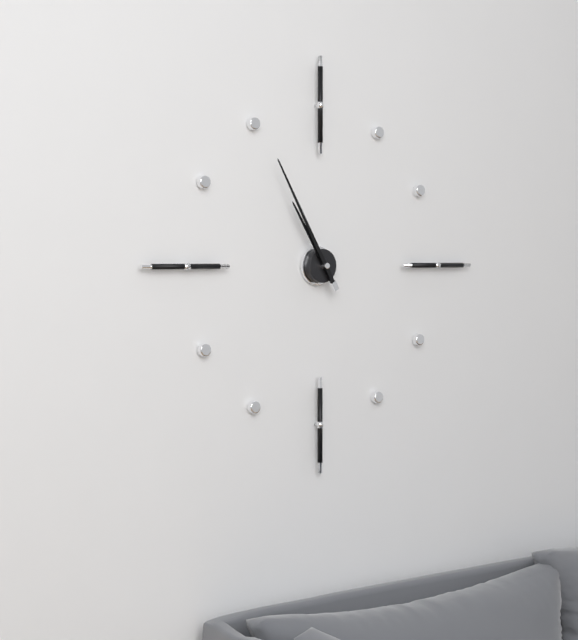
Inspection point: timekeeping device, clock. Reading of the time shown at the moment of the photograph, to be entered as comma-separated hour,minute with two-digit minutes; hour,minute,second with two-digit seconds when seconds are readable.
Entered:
10,55
